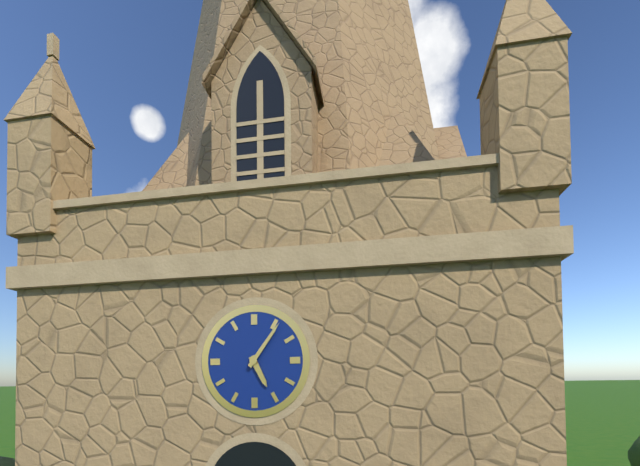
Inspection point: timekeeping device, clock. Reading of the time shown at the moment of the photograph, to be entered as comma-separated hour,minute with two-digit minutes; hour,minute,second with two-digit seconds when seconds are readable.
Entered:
5,06
